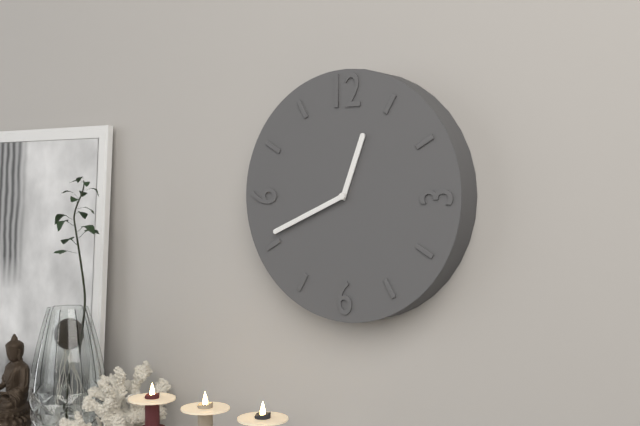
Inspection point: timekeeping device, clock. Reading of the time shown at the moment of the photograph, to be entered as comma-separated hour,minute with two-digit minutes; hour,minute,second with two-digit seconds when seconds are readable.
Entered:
12,41
